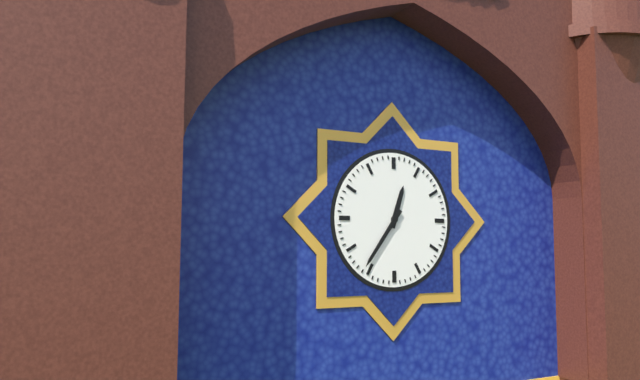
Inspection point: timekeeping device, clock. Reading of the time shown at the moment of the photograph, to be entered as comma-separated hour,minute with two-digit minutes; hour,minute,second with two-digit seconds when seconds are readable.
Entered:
12,36
